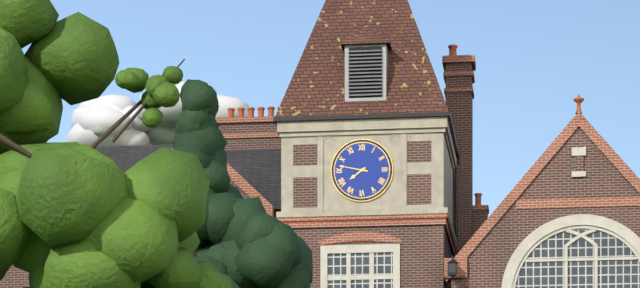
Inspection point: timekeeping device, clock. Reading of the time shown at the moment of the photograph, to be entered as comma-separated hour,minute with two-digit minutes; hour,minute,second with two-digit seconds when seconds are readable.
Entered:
7,47
